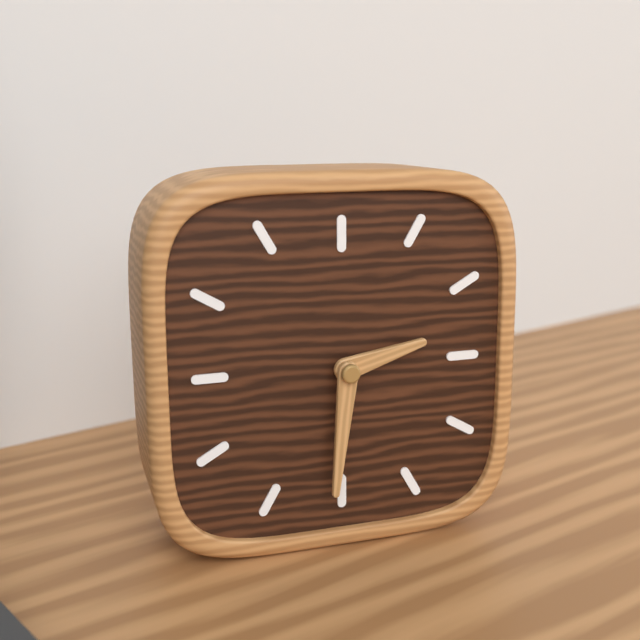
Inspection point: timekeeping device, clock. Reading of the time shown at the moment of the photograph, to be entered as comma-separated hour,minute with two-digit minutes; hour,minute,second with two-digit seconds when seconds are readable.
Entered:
2,31
